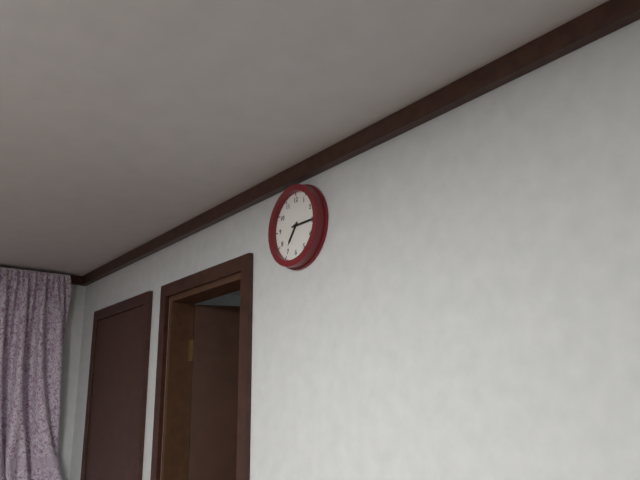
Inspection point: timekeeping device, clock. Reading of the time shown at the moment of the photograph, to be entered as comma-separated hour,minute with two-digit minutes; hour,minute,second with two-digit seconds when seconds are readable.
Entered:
7,15
